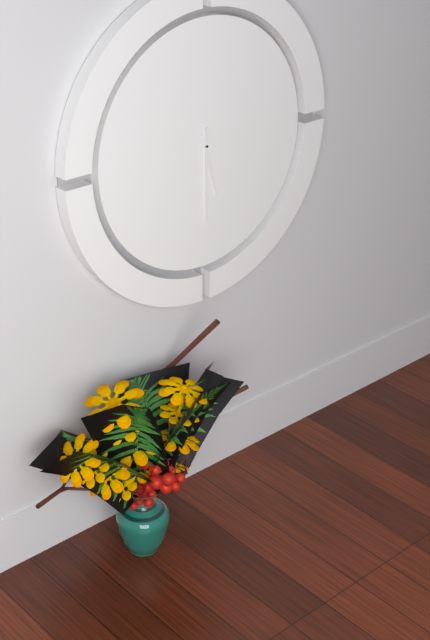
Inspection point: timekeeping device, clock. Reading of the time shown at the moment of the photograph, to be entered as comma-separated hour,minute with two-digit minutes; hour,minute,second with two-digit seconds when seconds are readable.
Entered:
5,30
